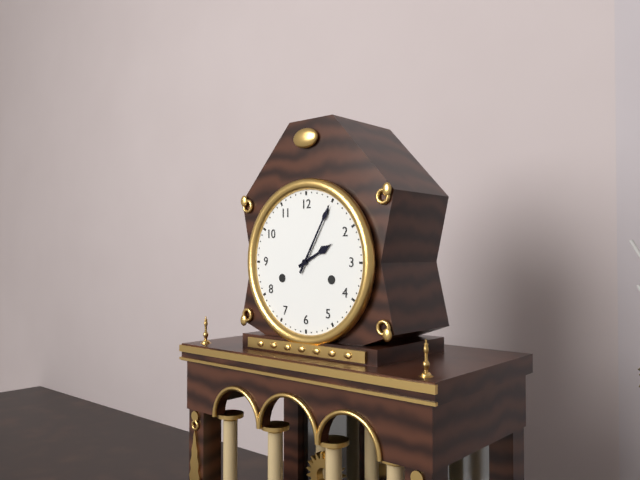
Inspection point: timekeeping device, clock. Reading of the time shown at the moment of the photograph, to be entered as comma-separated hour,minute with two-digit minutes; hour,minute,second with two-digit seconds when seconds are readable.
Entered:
2,05
